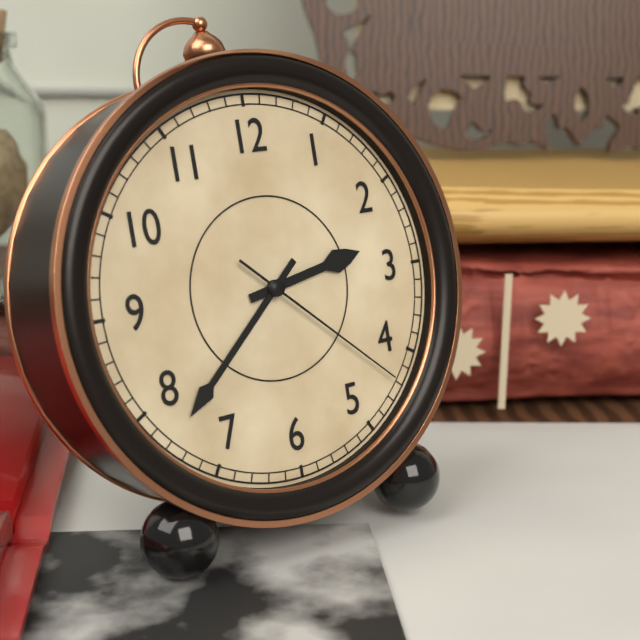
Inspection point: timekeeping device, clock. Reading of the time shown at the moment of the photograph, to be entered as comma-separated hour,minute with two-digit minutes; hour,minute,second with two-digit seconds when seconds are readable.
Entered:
2,38,22
